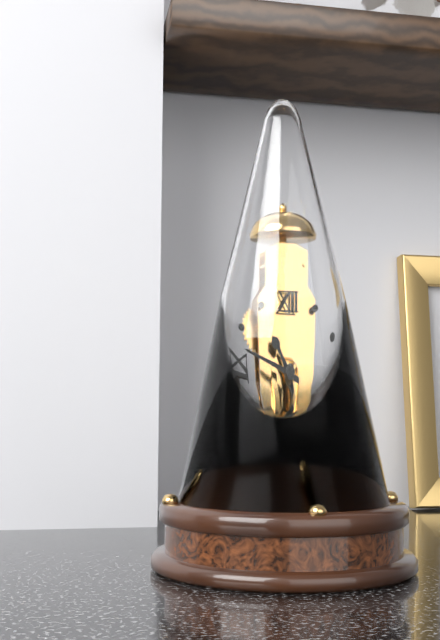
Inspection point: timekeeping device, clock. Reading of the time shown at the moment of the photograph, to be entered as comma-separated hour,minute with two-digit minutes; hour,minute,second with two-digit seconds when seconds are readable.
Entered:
10,47
